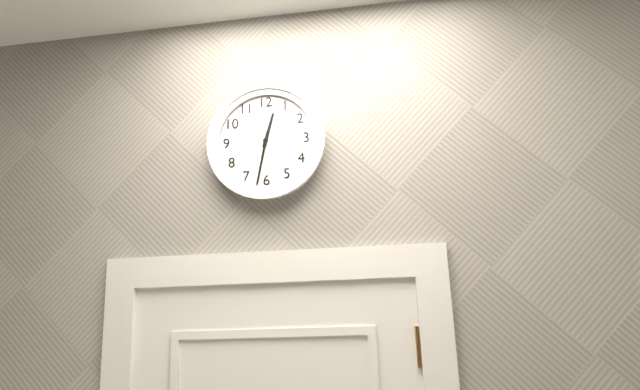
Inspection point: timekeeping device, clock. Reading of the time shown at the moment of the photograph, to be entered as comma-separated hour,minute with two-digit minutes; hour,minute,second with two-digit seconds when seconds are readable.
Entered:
12,32
